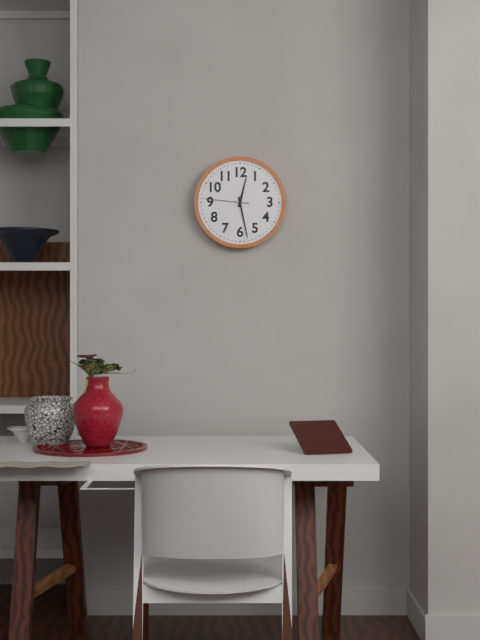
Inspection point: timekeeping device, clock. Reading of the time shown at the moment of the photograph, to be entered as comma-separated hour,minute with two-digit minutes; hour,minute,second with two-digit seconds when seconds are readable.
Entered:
12,28
